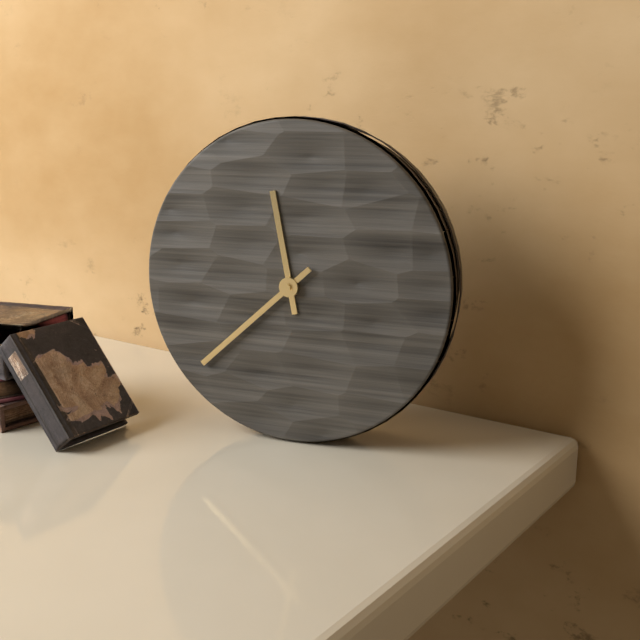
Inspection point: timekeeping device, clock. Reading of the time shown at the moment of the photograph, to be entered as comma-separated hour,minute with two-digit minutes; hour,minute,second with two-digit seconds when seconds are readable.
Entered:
11,38
